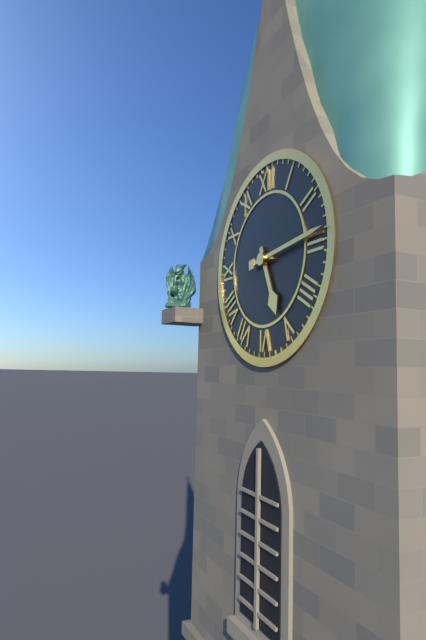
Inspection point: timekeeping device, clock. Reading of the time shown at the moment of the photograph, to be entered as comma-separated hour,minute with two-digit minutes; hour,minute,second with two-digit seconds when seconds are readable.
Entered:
5,14
